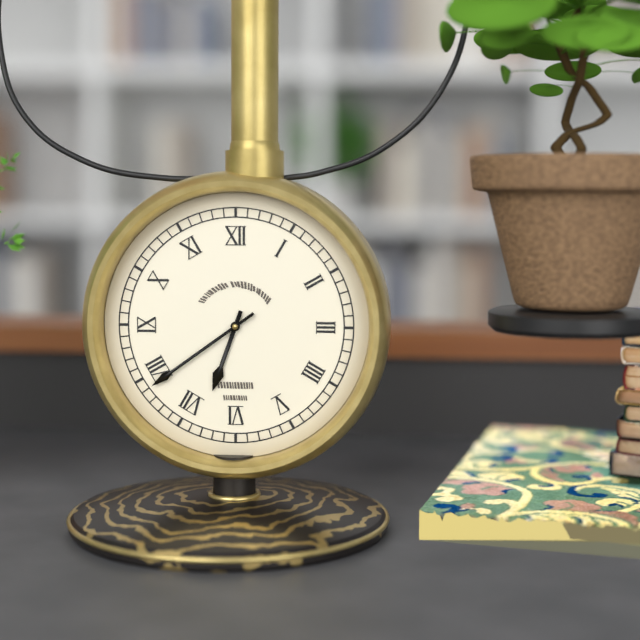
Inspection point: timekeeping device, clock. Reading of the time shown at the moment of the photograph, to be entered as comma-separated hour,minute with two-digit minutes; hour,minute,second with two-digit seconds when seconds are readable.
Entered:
6,39
